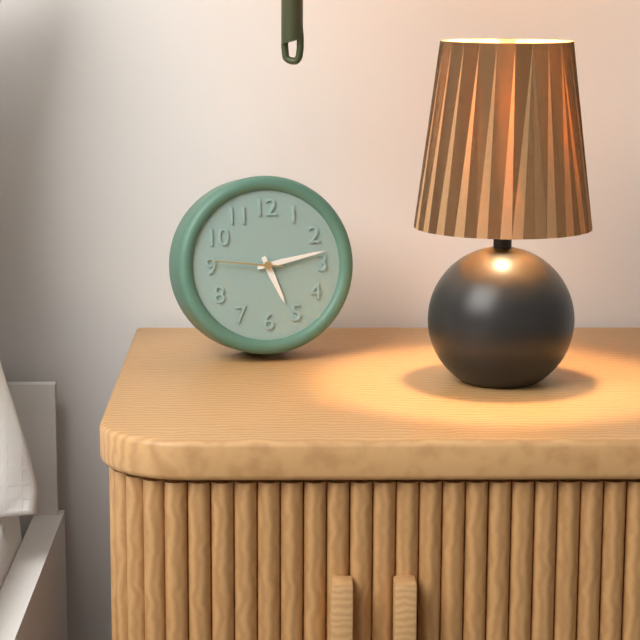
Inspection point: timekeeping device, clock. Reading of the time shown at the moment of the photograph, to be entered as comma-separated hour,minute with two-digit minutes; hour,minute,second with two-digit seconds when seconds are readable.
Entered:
5,13,46
